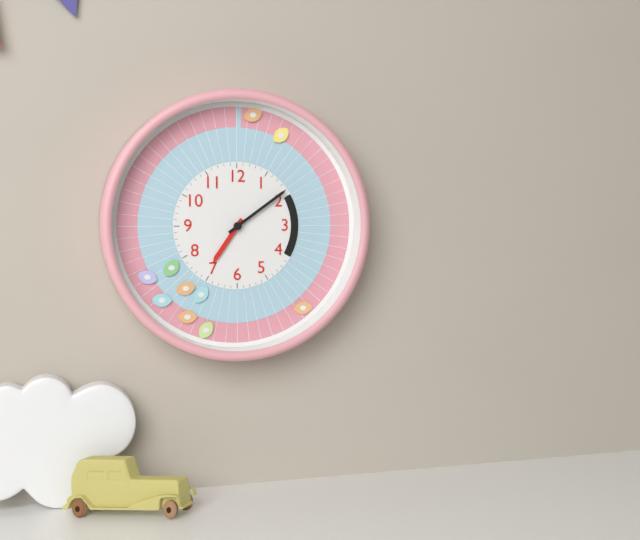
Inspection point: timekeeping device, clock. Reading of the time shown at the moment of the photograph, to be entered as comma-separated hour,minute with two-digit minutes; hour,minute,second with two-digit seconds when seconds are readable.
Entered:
7,09
